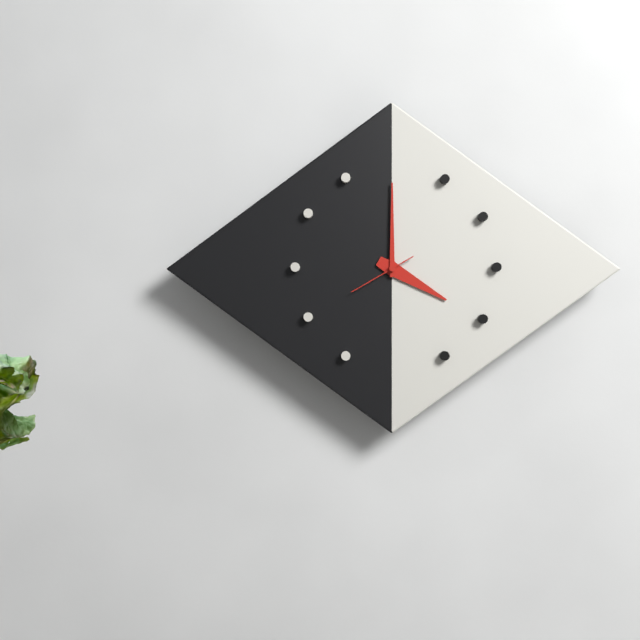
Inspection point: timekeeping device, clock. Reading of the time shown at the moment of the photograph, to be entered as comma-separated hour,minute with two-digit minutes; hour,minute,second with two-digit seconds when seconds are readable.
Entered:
4,00,40
